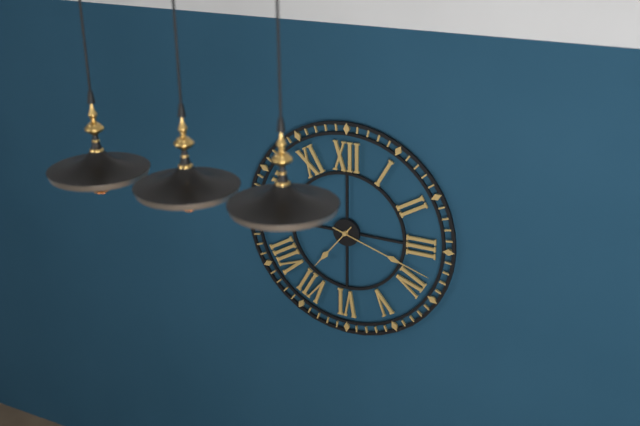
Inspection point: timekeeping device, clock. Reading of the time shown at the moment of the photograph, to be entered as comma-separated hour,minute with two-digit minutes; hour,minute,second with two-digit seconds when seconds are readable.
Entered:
7,18
